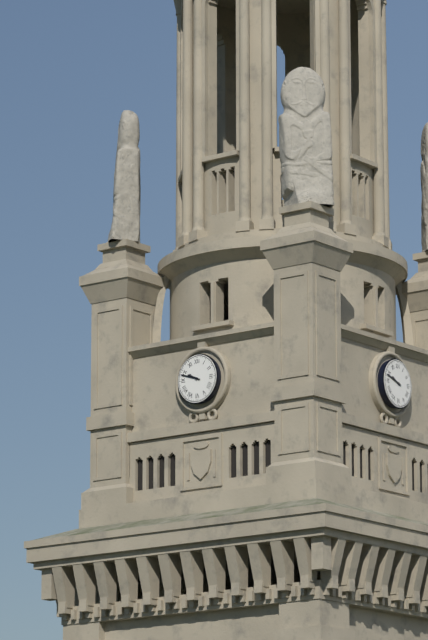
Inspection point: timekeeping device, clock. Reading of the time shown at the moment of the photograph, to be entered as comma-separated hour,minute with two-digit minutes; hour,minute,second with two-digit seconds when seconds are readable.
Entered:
9,48
